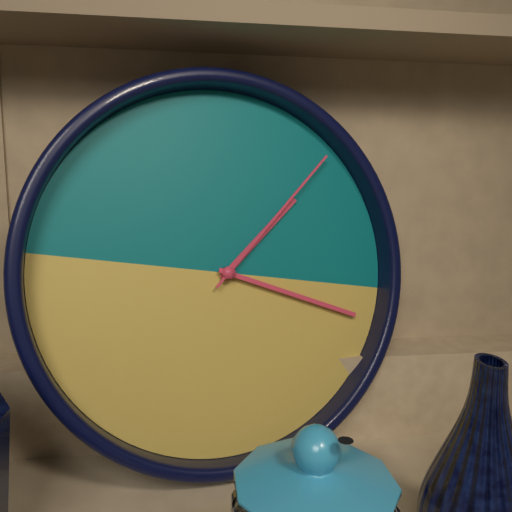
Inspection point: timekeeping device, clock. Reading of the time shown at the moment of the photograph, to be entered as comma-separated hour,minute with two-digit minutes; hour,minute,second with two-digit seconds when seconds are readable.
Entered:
1,17,06
